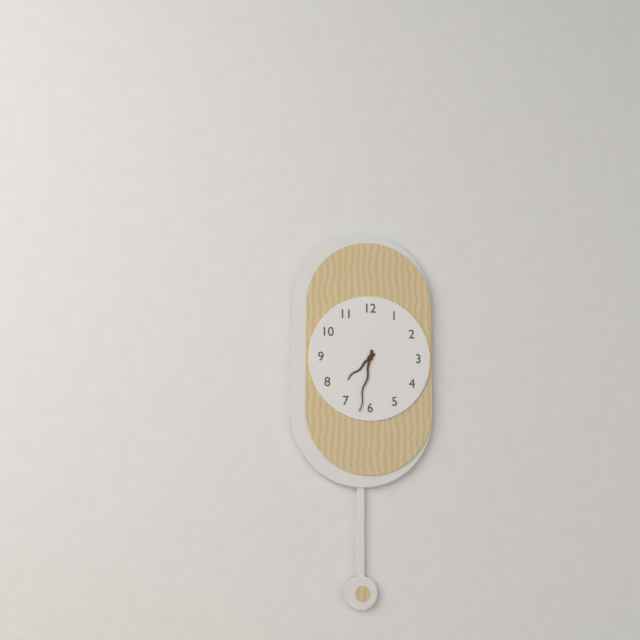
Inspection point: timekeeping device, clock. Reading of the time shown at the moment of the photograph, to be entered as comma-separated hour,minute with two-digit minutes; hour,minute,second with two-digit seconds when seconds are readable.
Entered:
7,32
